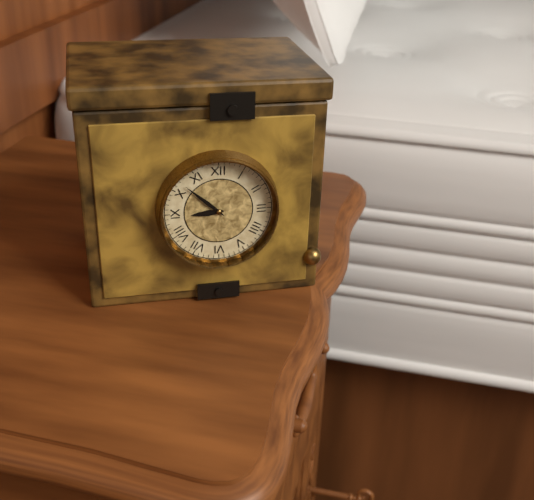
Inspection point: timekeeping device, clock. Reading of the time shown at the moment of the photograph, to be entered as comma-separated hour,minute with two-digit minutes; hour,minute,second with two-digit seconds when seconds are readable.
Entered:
8,52
